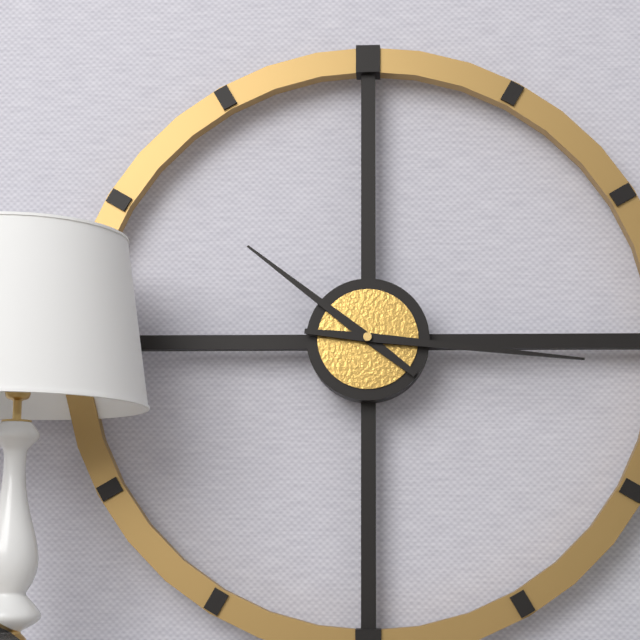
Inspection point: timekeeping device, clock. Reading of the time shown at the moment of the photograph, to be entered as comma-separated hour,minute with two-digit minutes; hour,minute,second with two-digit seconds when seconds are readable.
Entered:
10,16
